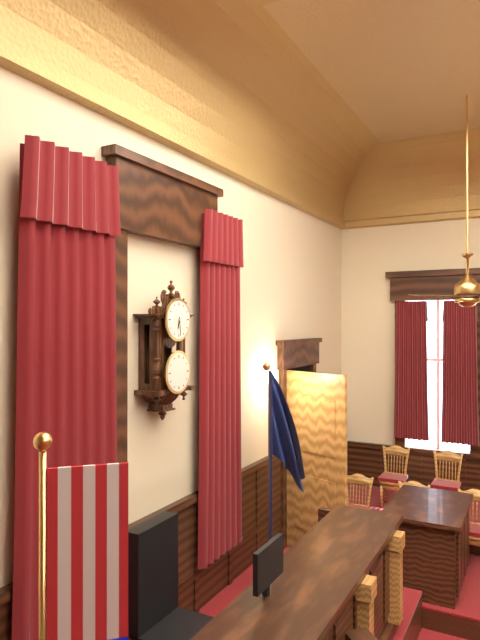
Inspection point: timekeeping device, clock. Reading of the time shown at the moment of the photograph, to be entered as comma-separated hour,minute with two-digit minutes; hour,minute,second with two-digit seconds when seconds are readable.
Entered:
6,29
